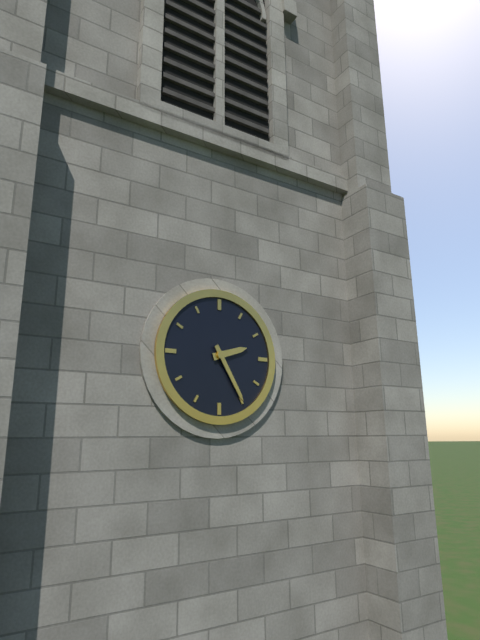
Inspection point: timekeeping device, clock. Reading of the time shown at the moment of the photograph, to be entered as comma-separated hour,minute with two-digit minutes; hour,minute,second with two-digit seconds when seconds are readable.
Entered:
2,25
